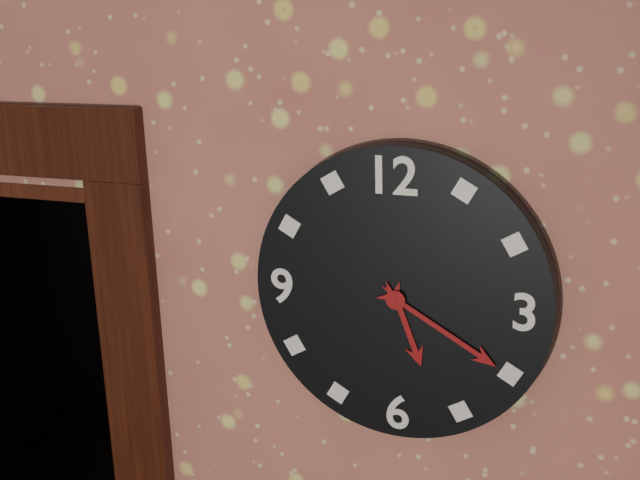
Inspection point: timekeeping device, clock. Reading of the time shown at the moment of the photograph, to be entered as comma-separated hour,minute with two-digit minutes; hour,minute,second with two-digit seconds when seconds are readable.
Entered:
5,20
